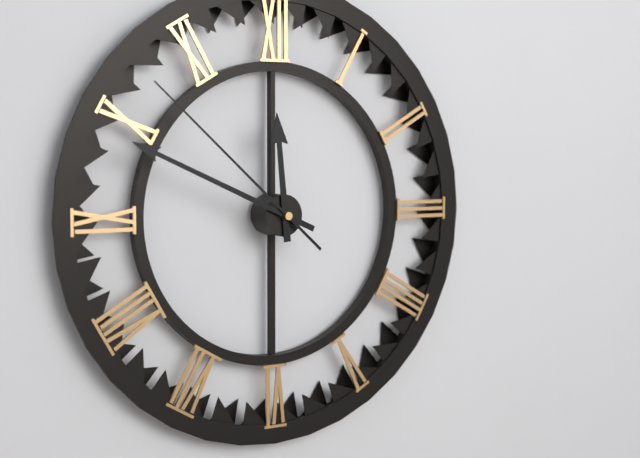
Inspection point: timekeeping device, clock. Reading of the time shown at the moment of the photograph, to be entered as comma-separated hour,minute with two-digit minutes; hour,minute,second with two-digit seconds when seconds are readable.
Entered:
11,49,52
